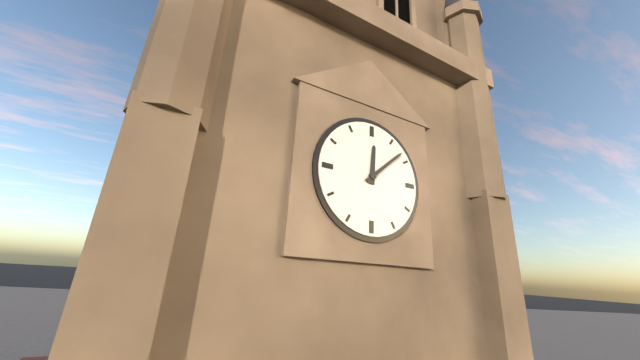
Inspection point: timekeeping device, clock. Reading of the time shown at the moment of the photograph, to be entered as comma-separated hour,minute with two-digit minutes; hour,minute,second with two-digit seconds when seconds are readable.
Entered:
12,08
